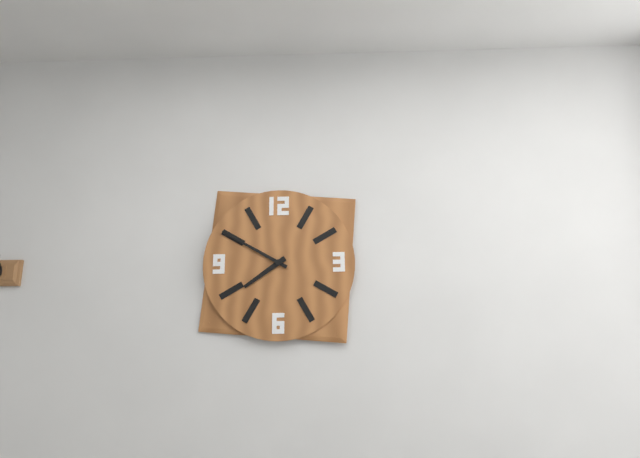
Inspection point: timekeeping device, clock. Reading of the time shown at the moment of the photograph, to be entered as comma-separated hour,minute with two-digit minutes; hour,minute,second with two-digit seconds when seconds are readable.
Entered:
7,50
